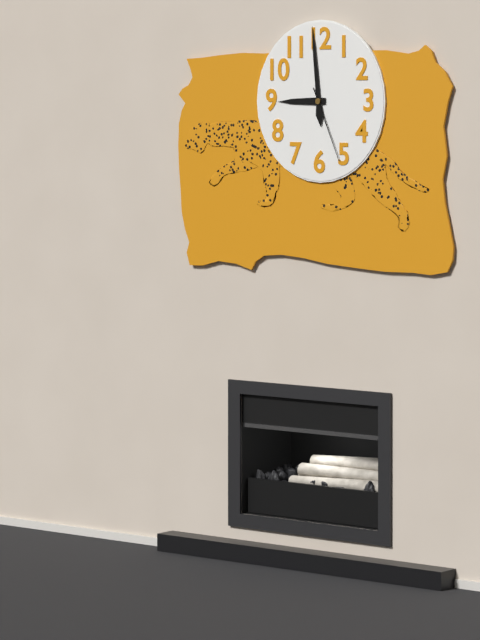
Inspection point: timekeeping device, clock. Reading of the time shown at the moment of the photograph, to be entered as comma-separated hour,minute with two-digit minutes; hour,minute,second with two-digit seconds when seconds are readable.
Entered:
8,59,26
